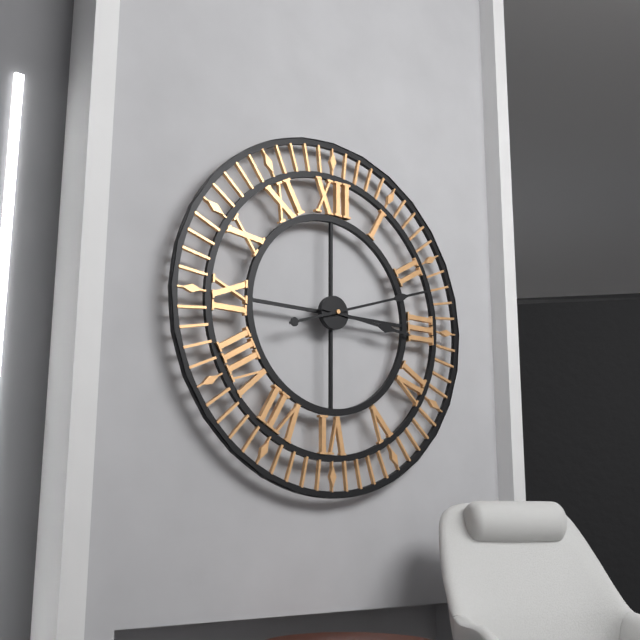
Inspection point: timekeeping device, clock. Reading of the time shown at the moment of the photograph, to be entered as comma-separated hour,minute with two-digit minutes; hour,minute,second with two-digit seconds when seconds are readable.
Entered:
3,12
